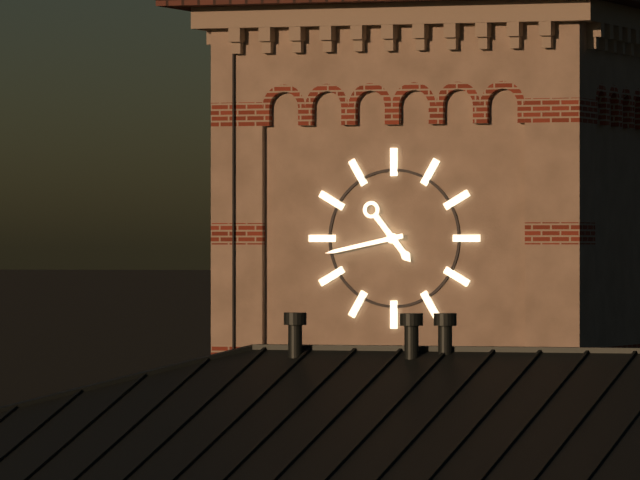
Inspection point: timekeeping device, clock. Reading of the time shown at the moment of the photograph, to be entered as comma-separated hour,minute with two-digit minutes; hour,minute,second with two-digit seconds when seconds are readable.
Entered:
4,43
